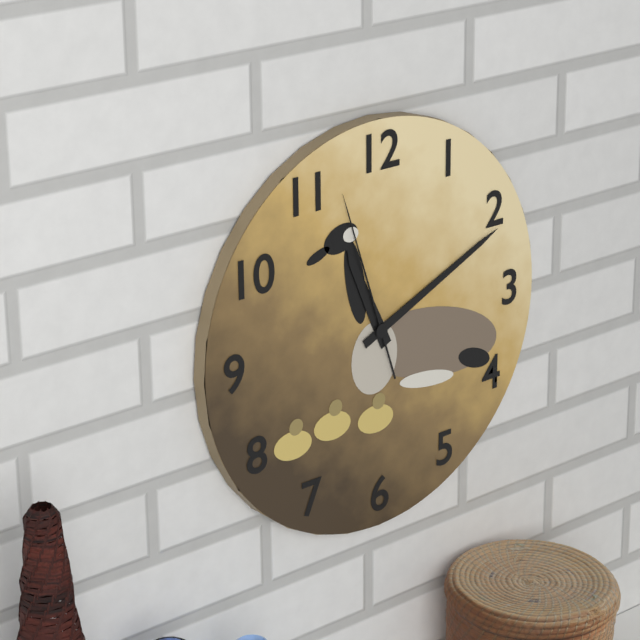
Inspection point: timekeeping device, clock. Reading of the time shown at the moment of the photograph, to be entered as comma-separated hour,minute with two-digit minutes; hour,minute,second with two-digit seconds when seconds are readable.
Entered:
11,11,57
